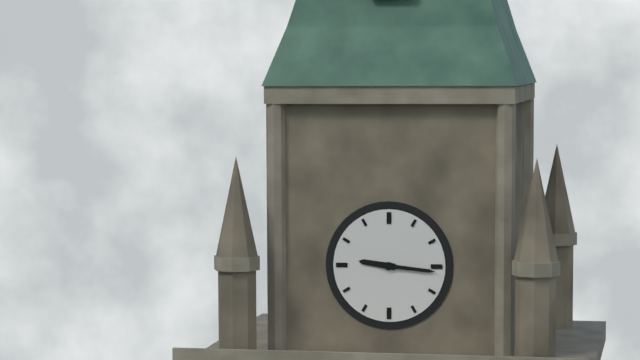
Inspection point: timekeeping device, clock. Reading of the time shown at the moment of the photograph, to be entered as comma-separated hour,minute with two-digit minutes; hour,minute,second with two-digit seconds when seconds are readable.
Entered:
9,16
